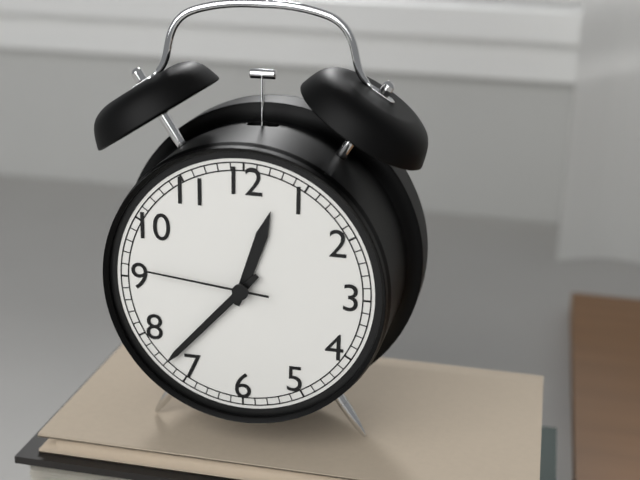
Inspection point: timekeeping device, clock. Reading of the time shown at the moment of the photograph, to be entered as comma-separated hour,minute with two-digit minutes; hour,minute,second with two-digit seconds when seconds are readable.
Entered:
12,37,46
